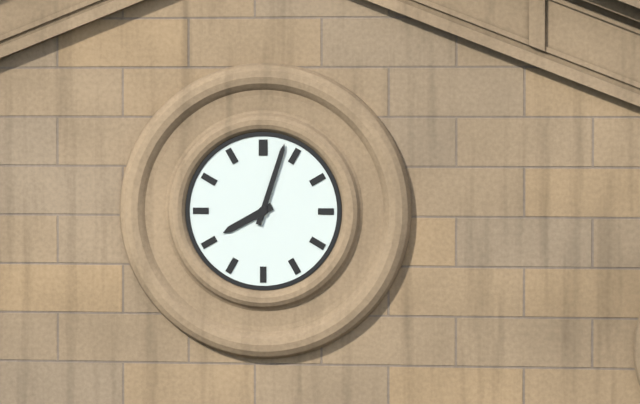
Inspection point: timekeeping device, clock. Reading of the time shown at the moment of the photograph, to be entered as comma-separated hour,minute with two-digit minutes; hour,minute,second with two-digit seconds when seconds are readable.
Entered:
8,03
